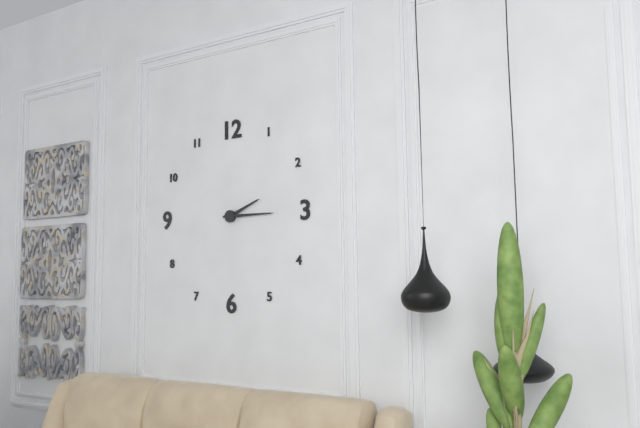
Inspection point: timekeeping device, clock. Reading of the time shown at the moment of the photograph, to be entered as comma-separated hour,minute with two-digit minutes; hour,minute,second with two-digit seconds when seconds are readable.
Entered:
2,15
